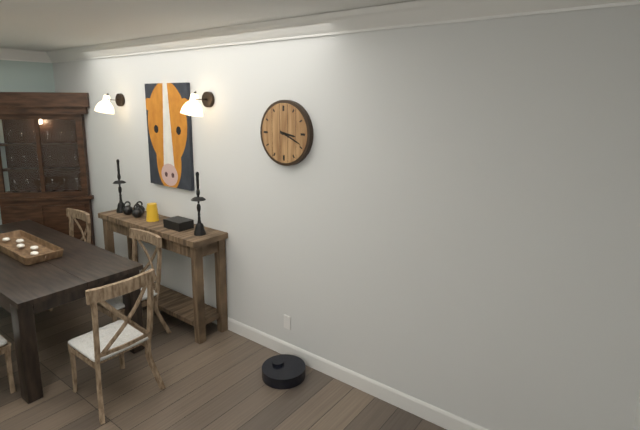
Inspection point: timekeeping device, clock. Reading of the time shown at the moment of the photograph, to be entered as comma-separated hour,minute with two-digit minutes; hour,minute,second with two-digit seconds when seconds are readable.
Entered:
3,19
